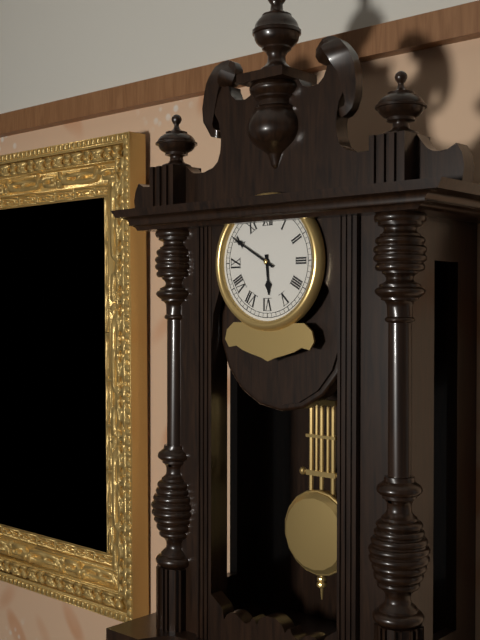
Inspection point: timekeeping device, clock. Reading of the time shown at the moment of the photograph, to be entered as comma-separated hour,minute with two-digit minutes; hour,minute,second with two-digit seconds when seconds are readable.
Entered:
5,50
